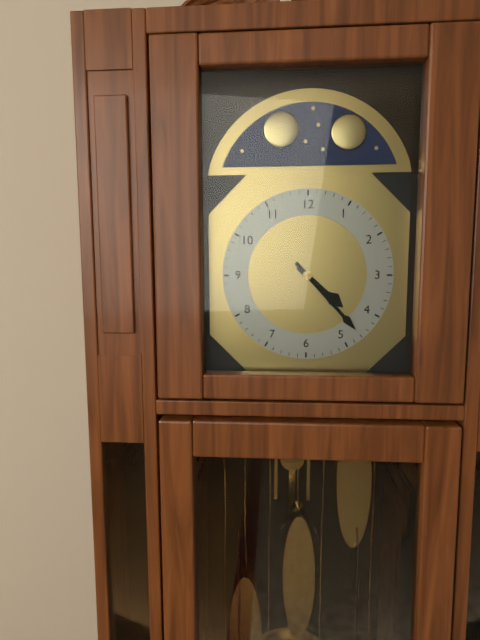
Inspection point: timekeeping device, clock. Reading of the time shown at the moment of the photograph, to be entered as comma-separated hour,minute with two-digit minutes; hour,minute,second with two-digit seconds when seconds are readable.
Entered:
4,23
